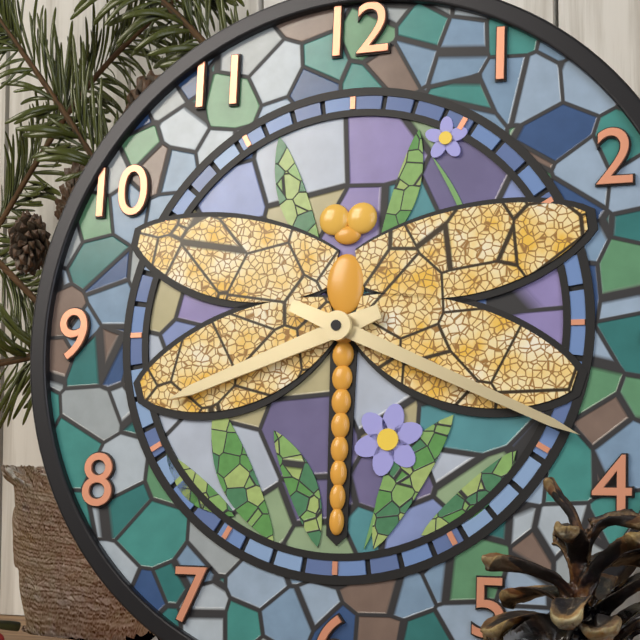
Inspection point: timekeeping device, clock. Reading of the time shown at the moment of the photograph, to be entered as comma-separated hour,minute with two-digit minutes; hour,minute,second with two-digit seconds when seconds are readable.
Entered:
8,19
